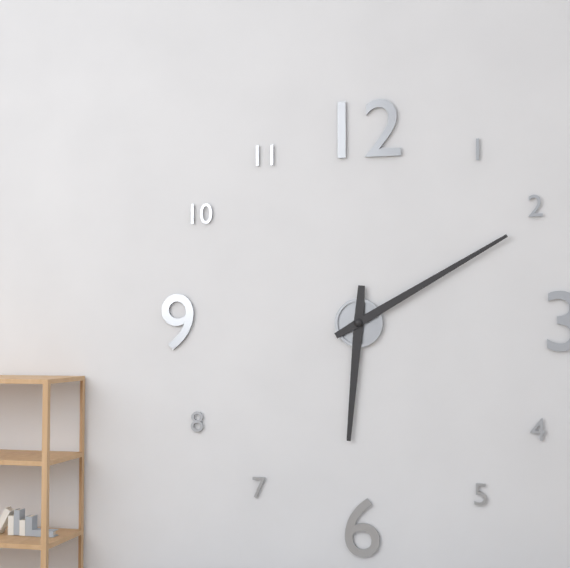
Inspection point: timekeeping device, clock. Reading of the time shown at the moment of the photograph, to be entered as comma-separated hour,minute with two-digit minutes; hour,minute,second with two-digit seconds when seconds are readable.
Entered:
6,10
